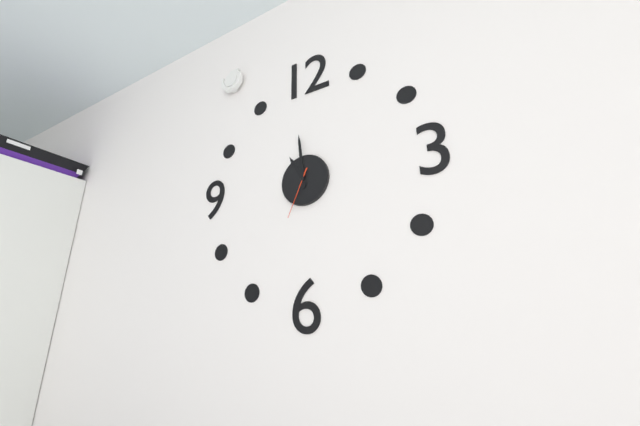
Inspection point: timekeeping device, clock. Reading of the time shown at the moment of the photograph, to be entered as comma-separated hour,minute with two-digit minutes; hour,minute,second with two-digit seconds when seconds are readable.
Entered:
10,59,34
